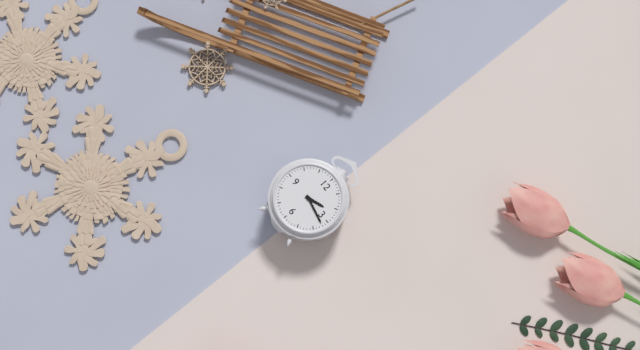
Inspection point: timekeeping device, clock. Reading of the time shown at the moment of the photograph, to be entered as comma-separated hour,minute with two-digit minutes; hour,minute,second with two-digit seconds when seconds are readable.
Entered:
2,17
